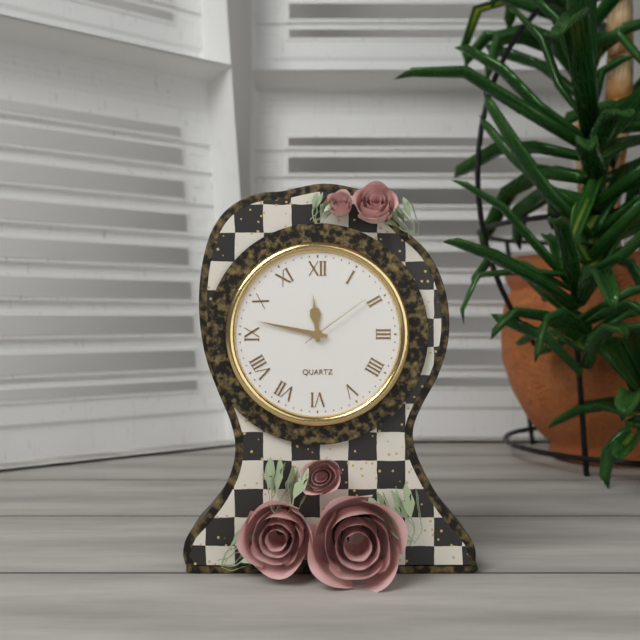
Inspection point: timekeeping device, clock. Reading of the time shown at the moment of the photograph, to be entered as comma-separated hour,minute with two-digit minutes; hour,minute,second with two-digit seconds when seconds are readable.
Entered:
11,47,09
